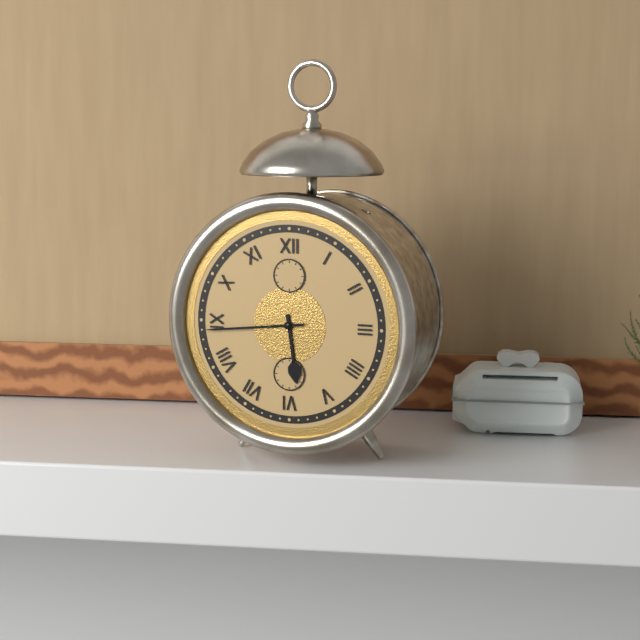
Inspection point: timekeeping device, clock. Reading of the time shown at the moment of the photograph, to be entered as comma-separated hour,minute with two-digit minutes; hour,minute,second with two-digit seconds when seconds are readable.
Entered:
5,44
